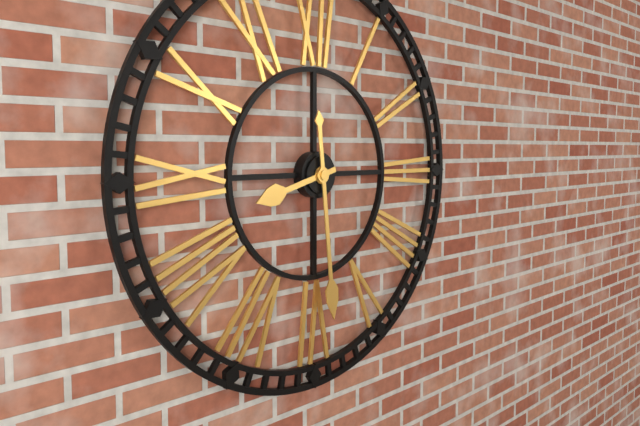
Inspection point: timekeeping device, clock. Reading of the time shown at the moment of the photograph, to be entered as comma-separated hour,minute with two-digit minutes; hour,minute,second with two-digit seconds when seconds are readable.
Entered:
8,29
